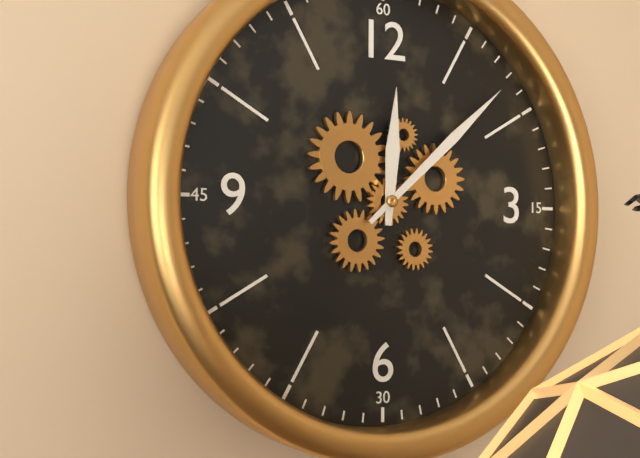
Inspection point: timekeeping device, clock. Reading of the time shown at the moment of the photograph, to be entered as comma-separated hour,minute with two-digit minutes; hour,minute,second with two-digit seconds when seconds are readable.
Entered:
12,08
